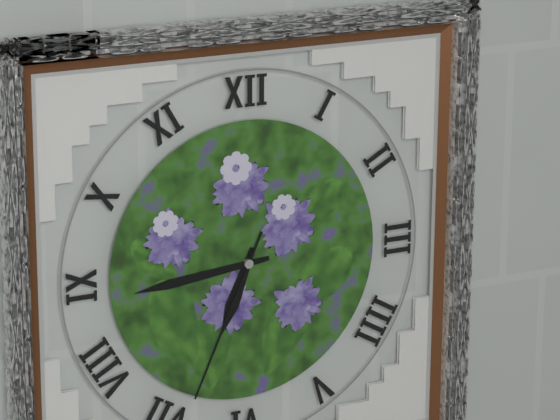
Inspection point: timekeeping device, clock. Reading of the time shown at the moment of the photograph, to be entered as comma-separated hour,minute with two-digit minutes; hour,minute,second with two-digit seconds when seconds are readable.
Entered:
6,44,34
